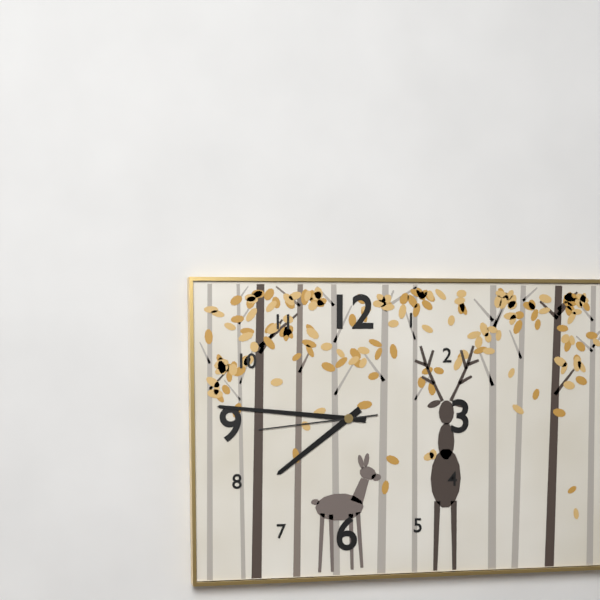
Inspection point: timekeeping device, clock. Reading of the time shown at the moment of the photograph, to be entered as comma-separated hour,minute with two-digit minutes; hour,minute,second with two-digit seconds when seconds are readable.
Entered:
7,46,44
